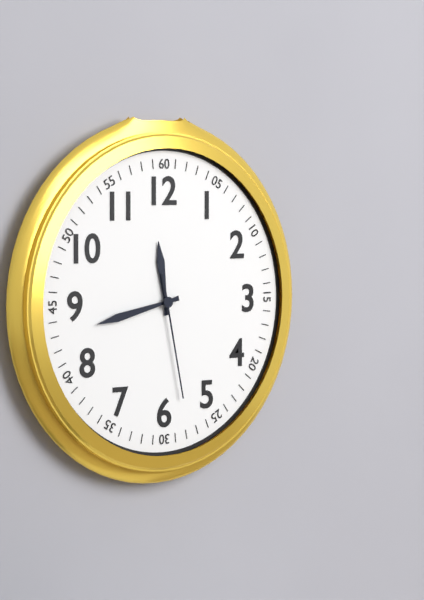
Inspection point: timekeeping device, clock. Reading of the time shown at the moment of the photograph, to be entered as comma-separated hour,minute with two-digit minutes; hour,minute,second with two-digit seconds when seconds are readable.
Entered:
11,43,28
